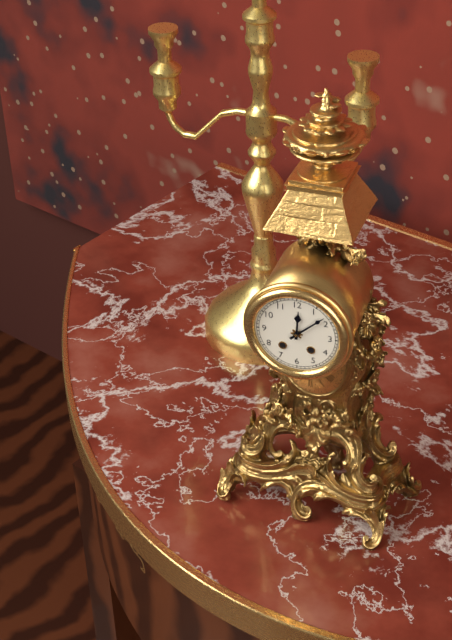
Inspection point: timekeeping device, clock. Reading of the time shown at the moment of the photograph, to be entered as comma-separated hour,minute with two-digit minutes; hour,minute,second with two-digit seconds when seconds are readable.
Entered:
12,08
